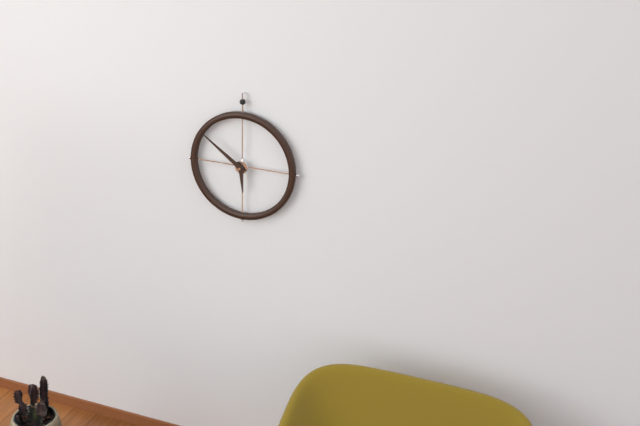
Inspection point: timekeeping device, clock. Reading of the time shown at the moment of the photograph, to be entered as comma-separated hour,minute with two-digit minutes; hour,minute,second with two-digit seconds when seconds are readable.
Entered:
5,51
